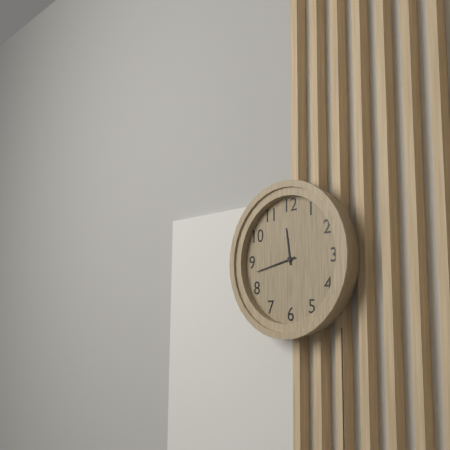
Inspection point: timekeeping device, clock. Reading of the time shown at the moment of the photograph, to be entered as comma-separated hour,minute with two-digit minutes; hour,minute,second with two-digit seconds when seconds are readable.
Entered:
11,43
